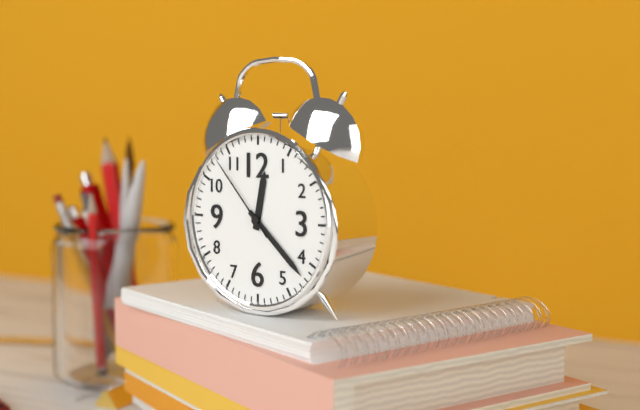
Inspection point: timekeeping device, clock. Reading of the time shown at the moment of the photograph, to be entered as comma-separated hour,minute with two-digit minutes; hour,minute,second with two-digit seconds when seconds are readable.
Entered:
12,22,53
